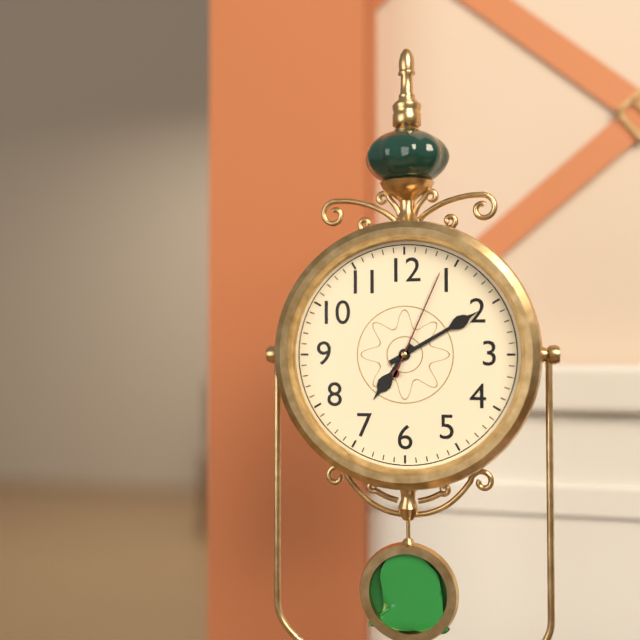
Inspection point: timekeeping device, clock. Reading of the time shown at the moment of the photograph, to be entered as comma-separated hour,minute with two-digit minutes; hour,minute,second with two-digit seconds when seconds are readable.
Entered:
7,10,04
